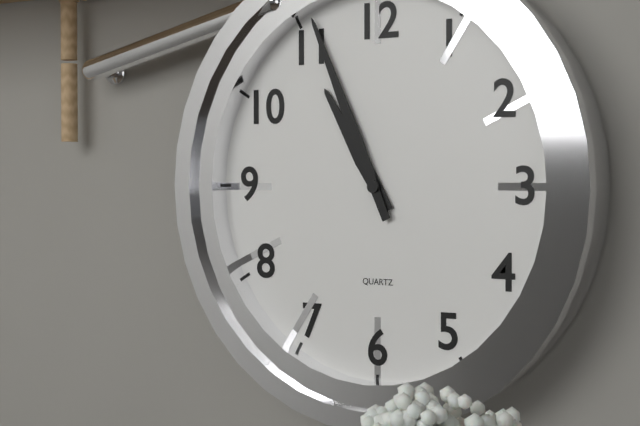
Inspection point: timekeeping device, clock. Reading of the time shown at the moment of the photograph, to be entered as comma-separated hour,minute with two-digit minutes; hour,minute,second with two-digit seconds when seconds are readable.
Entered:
10,56
